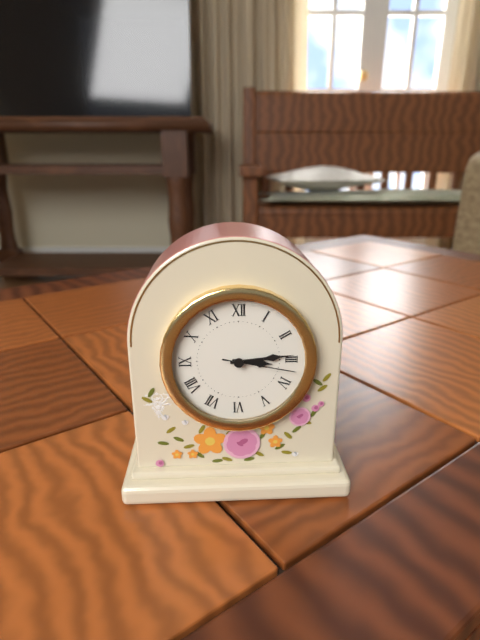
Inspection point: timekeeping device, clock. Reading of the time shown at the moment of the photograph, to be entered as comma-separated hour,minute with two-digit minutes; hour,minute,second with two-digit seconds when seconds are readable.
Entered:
3,14,17
